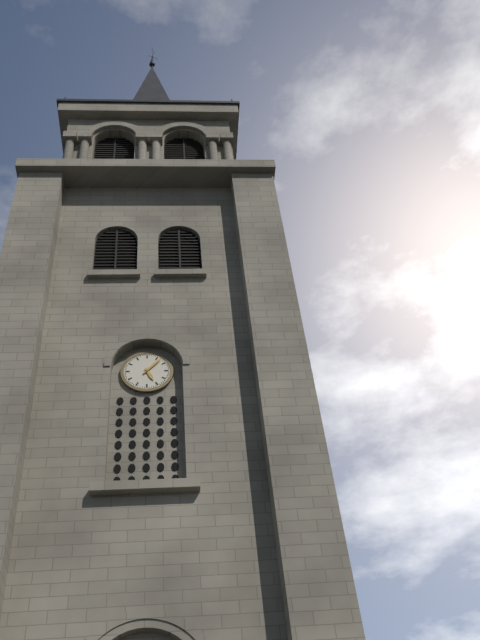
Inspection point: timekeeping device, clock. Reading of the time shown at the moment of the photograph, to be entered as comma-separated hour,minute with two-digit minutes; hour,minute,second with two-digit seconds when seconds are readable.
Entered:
5,07
